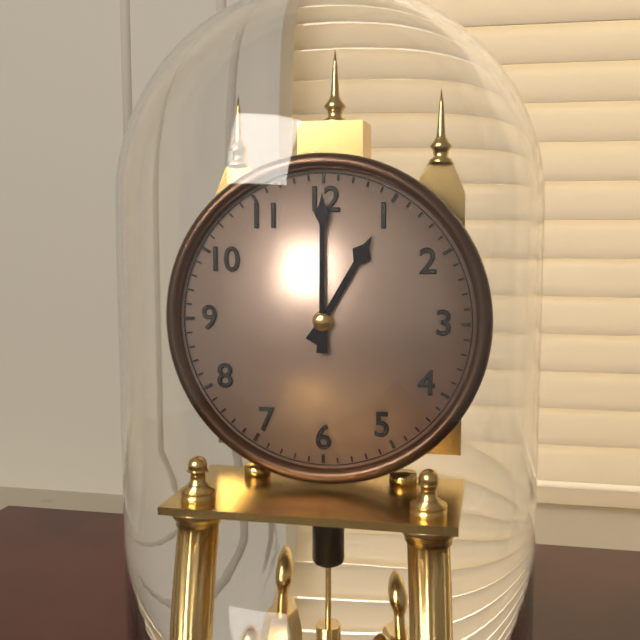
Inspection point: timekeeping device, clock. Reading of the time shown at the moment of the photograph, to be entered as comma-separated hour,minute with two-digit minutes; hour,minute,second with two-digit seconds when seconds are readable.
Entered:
1,00
